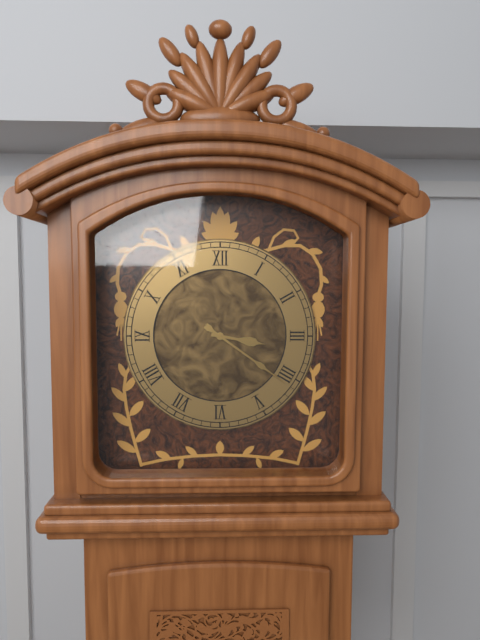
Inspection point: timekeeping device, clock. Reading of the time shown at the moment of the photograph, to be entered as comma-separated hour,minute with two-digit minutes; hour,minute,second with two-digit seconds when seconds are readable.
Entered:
3,21
